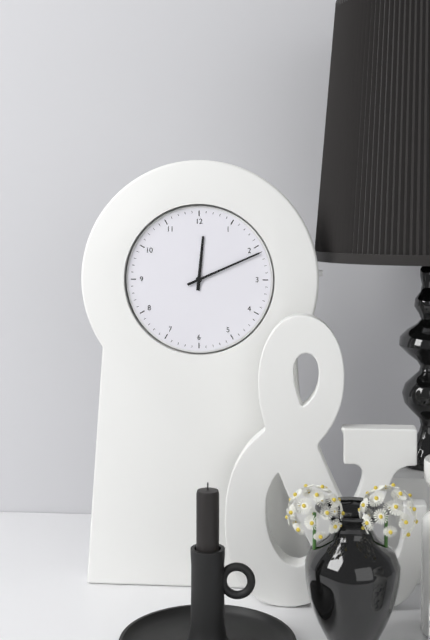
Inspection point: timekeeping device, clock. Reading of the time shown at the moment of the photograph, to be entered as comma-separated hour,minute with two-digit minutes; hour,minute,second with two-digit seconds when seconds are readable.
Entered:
12,11
